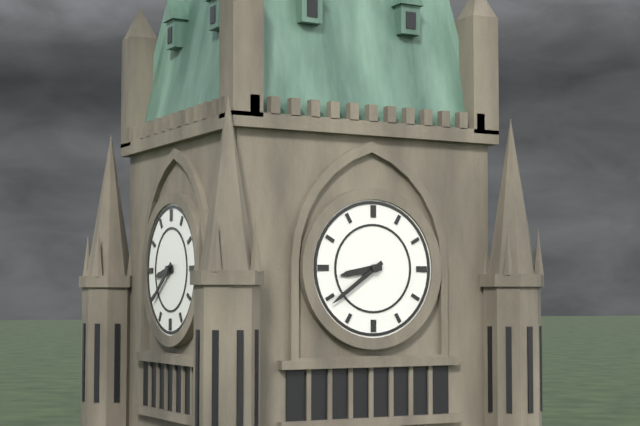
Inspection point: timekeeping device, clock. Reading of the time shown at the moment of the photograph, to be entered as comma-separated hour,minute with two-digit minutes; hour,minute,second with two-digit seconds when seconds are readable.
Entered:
8,39
